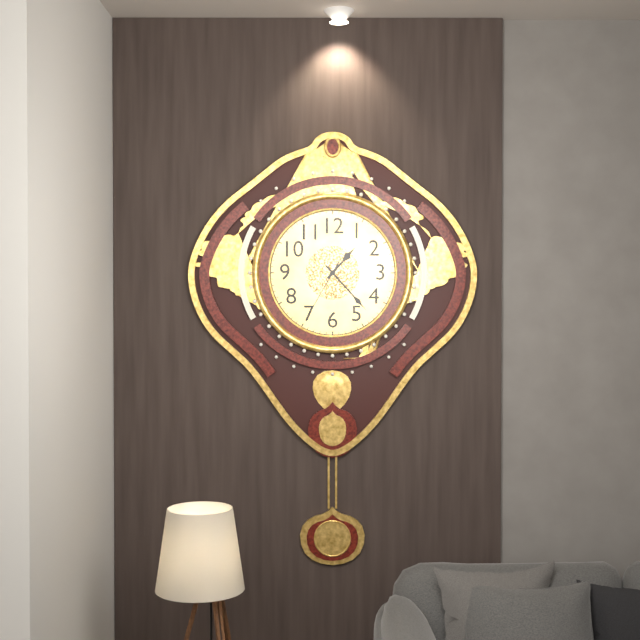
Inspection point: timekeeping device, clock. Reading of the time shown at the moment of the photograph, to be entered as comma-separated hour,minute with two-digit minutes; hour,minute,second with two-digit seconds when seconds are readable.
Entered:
1,23,35
